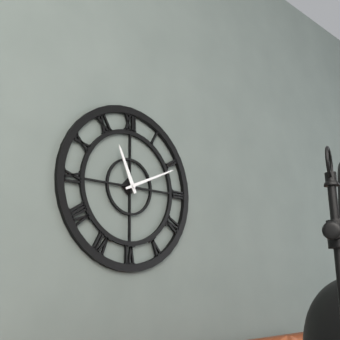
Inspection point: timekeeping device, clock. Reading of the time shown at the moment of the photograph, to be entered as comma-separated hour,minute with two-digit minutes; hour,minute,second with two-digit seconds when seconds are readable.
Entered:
11,11
